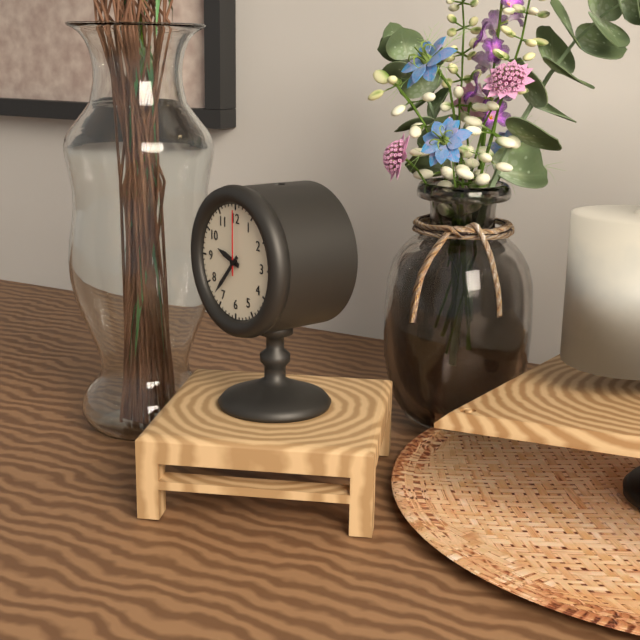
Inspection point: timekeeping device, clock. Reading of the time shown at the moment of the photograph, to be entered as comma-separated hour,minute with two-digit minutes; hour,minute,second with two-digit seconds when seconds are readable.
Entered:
9,37,00
